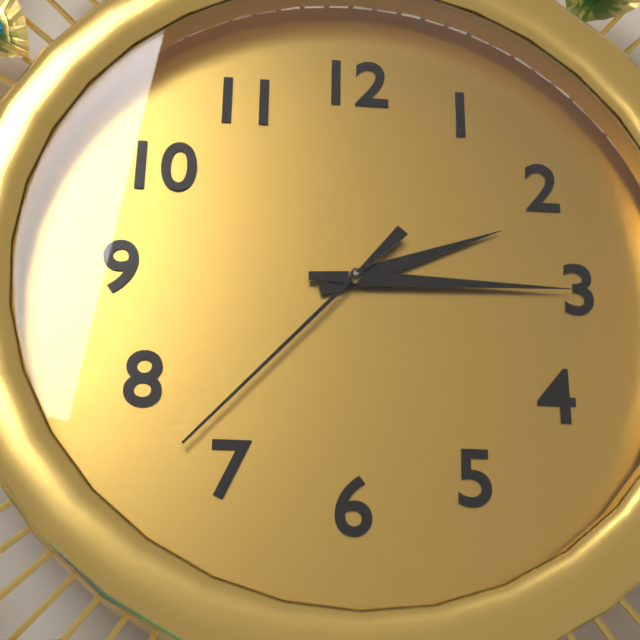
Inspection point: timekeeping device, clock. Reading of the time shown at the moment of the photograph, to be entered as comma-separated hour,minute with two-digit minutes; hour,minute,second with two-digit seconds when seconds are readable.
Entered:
2,15,37
